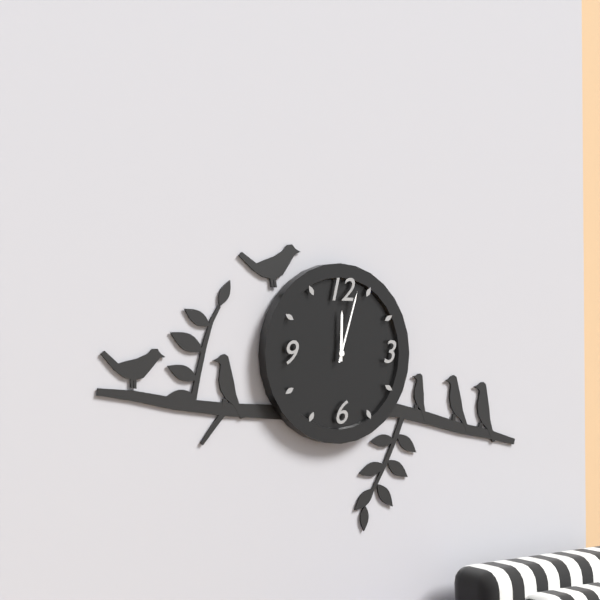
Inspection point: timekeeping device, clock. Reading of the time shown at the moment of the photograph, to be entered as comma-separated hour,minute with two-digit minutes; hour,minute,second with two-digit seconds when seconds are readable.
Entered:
12,03
